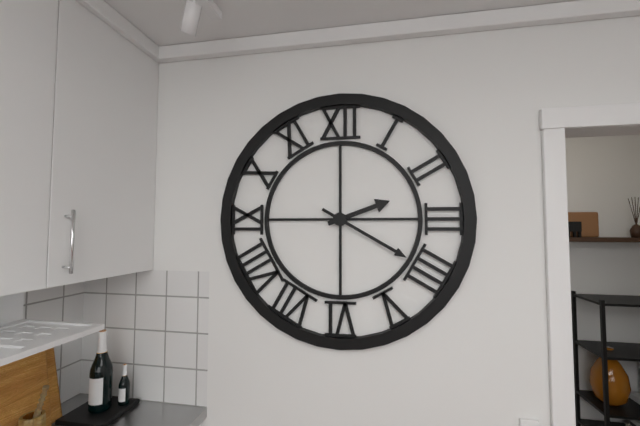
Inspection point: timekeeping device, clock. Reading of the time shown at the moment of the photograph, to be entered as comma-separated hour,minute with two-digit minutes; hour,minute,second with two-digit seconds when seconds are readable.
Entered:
2,20
